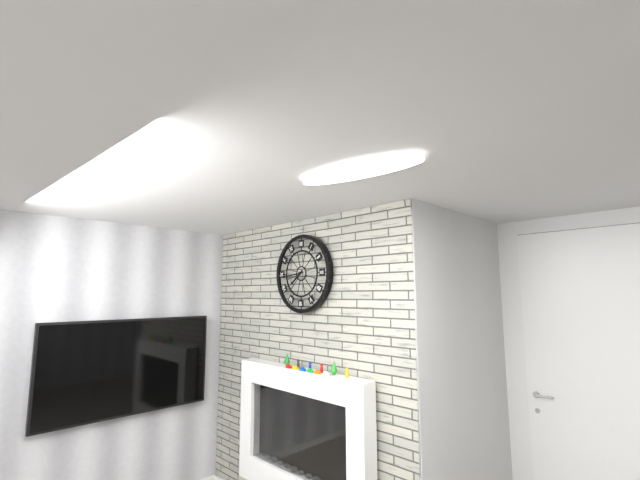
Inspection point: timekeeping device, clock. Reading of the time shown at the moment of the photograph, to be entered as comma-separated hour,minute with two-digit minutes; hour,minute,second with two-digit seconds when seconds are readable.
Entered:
7,44
